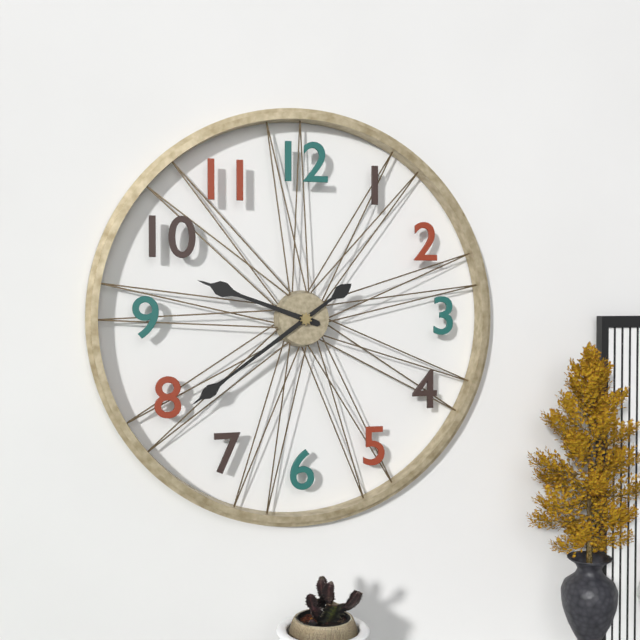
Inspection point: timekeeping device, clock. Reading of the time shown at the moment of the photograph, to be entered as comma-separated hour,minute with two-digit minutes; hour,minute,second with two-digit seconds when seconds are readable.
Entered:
9,39
